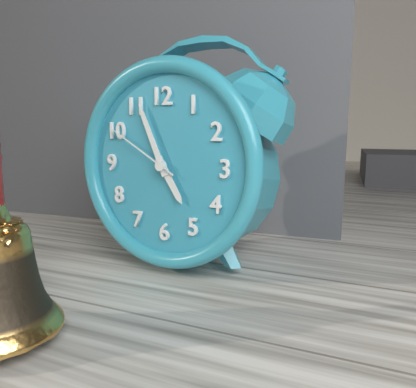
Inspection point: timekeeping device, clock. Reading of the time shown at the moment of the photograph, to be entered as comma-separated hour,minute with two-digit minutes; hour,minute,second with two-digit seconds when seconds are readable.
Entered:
4,56,50
